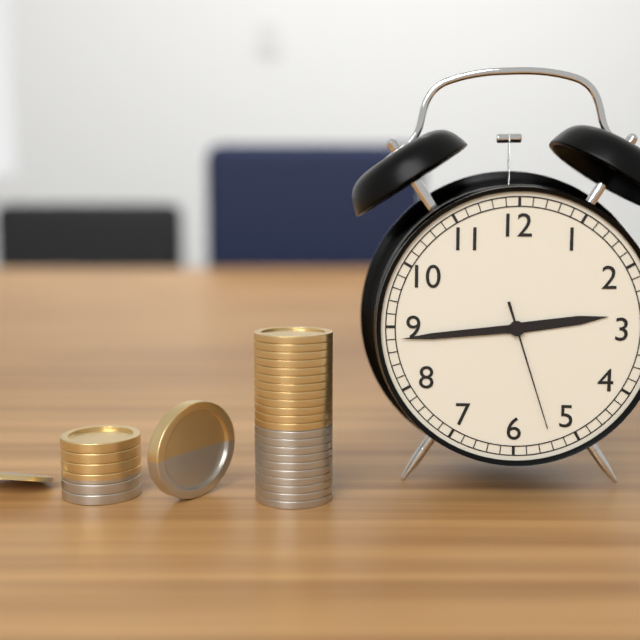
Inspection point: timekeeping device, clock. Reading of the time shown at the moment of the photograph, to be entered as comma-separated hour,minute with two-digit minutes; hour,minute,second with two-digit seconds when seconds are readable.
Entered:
2,44,27
